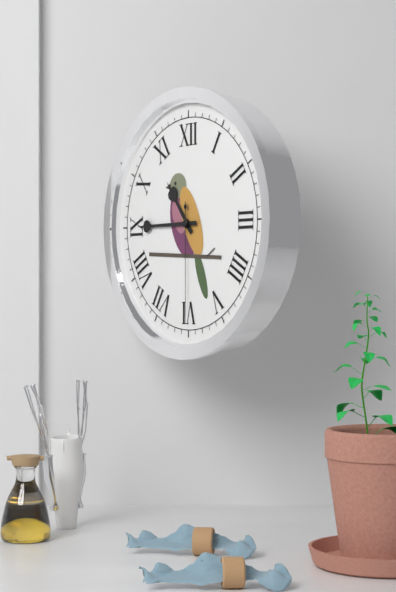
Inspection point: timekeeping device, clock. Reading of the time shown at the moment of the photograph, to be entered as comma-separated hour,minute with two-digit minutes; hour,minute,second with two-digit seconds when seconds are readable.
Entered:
10,45,30
